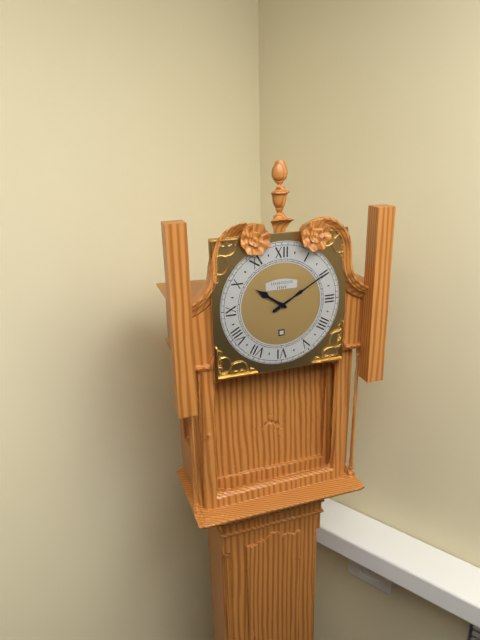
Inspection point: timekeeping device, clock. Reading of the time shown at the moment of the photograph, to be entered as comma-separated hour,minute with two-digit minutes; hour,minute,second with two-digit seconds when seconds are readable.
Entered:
10,10
